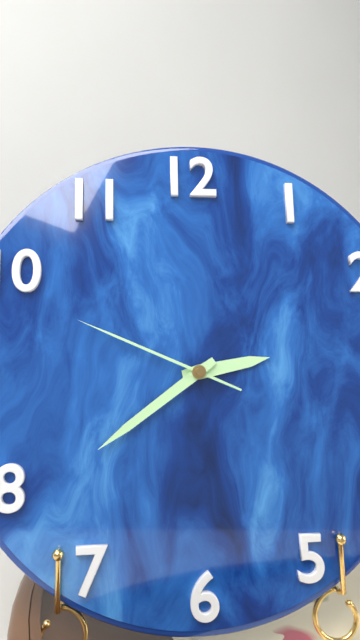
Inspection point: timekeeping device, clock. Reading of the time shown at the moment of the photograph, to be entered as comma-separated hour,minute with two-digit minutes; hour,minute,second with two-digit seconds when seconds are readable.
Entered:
2,39,49
